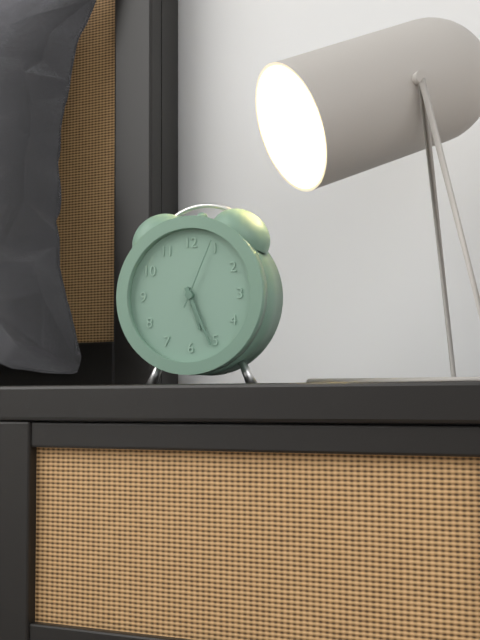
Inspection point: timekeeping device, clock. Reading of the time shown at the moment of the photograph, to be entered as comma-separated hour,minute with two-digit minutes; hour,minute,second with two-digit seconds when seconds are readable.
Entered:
5,26,04
